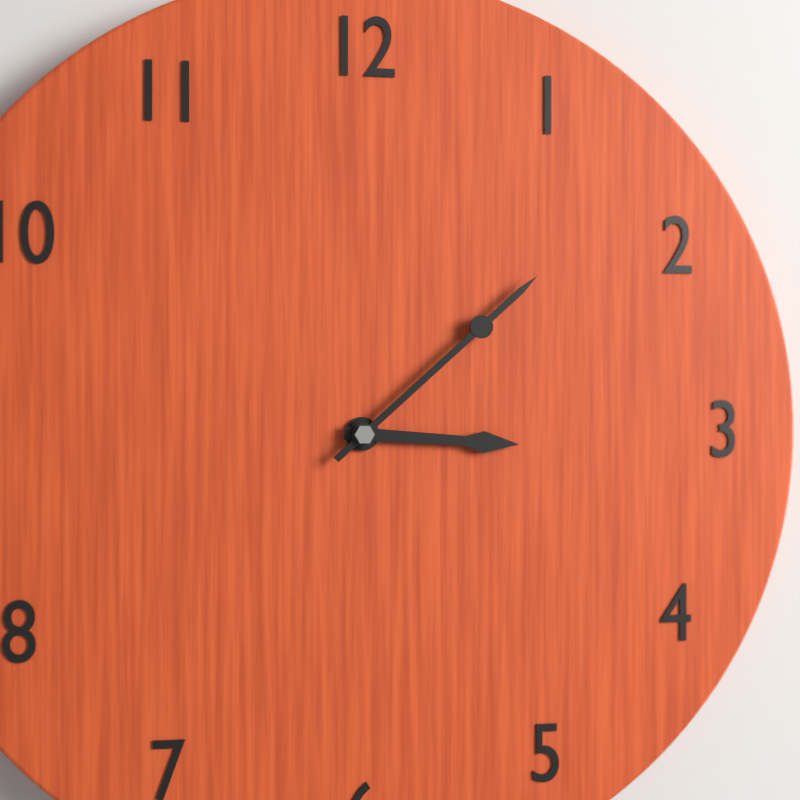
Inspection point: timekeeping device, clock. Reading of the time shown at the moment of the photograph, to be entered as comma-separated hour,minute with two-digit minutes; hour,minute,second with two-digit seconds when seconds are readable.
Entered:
3,08
